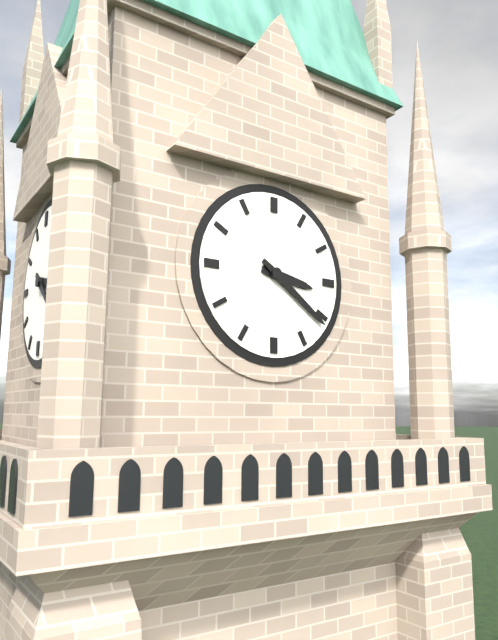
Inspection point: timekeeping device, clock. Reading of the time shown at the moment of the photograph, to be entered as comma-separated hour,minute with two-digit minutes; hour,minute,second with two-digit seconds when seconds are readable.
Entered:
3,21
